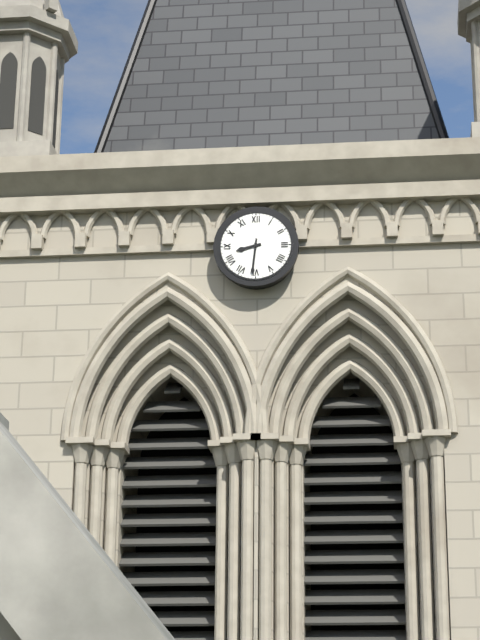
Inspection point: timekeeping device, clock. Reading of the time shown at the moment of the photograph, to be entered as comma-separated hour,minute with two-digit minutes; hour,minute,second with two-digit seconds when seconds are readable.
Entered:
8,31
